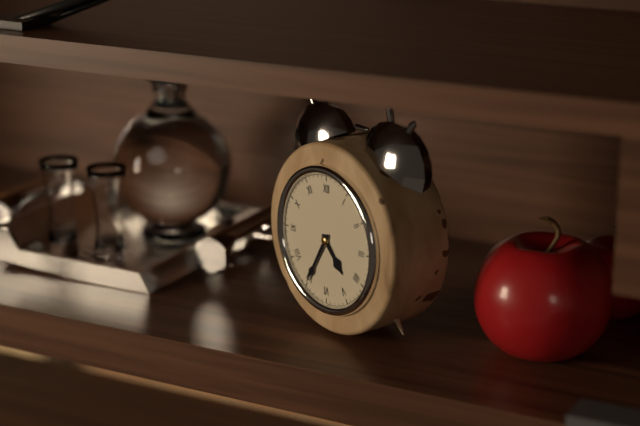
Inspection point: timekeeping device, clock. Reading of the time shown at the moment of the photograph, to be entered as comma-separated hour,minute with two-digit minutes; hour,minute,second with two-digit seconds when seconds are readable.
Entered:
4,35
